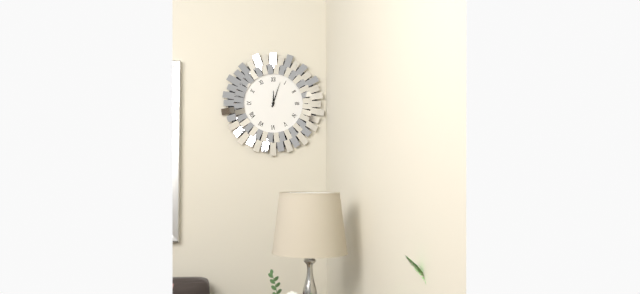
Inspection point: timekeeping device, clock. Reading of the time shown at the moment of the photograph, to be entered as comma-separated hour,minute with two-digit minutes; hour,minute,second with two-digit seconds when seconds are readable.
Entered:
12,03
